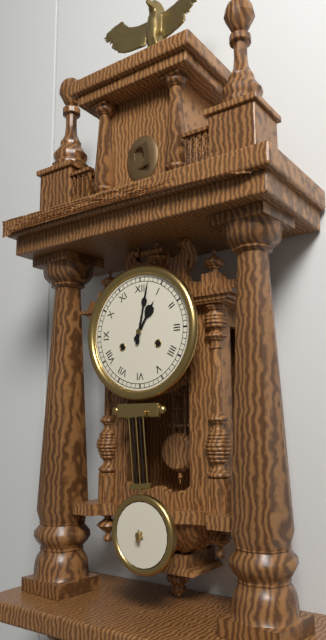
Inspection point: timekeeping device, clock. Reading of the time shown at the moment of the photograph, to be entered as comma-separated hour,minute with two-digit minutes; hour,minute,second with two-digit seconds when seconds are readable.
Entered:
1,02
